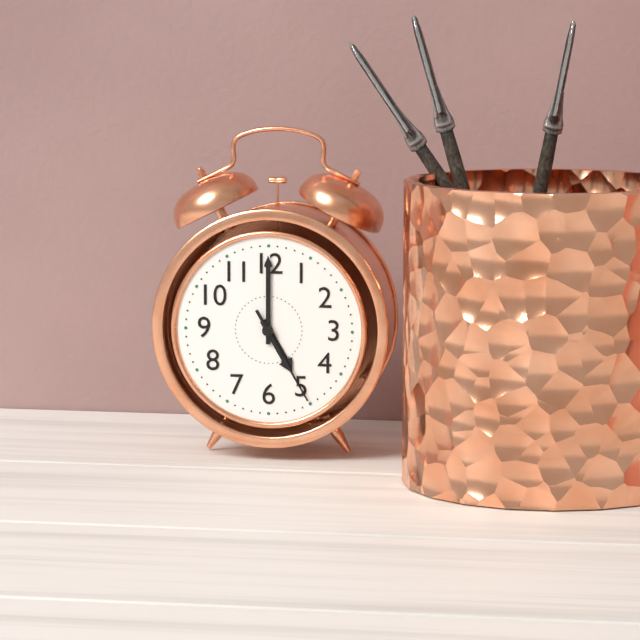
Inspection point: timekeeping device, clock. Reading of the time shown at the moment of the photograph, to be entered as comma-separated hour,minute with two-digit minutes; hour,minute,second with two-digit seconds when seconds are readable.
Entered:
5,00,25
